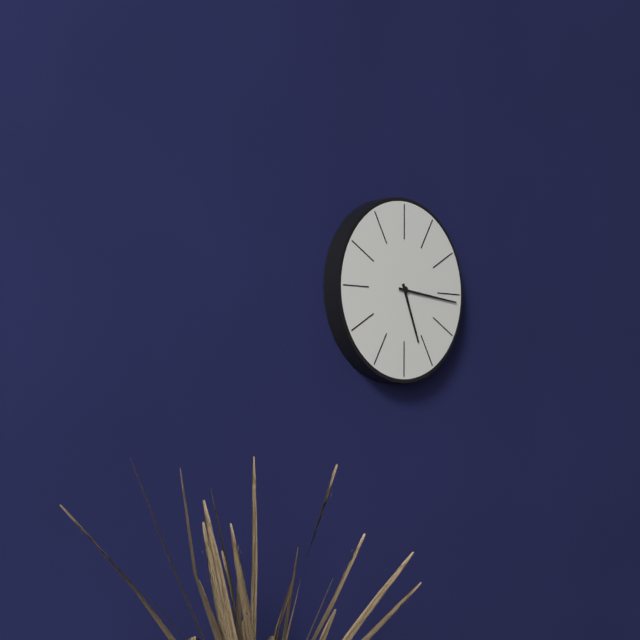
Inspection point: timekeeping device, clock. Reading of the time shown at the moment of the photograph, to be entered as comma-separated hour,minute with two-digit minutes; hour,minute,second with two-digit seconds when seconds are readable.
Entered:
5,16
